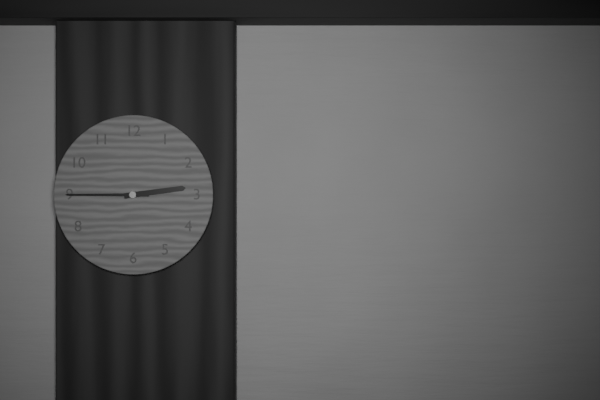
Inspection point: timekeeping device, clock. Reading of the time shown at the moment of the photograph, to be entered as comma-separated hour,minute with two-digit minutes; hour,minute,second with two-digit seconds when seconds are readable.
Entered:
2,45
